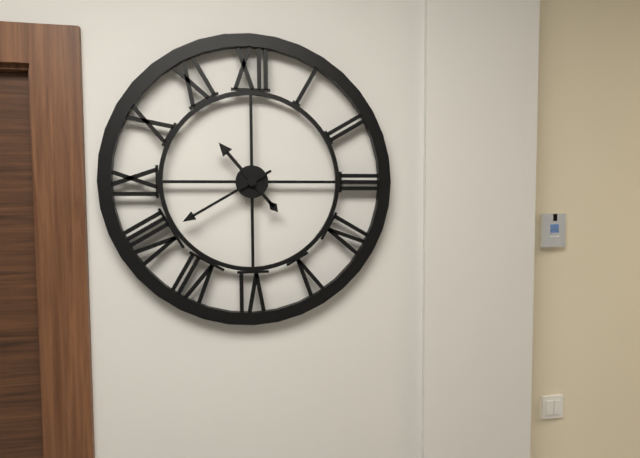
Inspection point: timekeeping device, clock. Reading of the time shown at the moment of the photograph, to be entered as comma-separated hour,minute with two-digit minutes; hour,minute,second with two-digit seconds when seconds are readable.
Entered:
10,40
